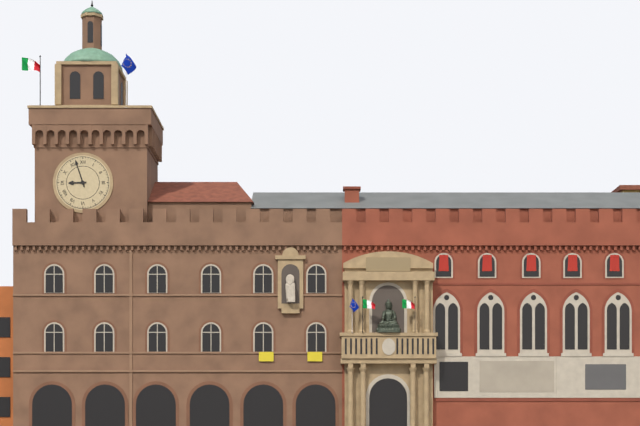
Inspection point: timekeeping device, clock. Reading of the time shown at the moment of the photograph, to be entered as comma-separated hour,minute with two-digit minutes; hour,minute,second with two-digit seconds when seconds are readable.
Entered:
8,57
